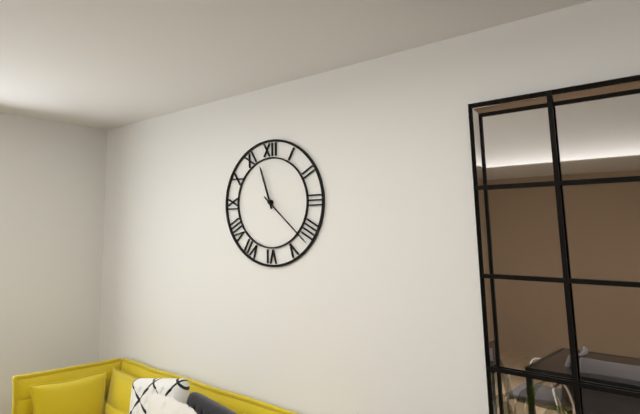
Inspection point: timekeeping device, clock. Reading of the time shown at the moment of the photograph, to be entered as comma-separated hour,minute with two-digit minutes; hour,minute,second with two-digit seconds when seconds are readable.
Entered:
11,22
